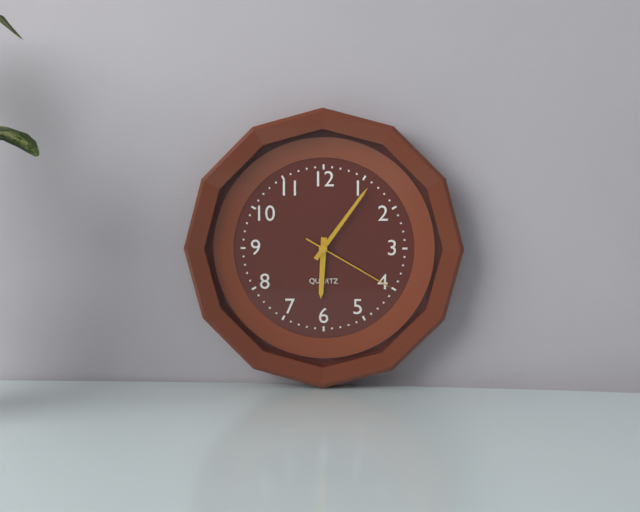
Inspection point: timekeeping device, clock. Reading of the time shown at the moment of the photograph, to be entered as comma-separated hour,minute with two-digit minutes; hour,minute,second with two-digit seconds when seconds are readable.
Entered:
6,06,20
